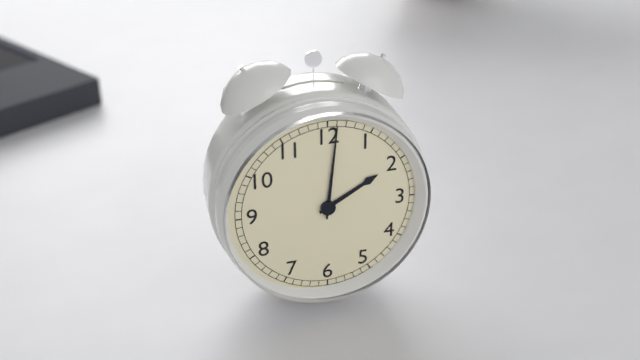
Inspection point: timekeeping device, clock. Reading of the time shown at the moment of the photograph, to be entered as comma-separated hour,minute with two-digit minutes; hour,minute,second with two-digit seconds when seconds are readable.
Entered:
2,01
